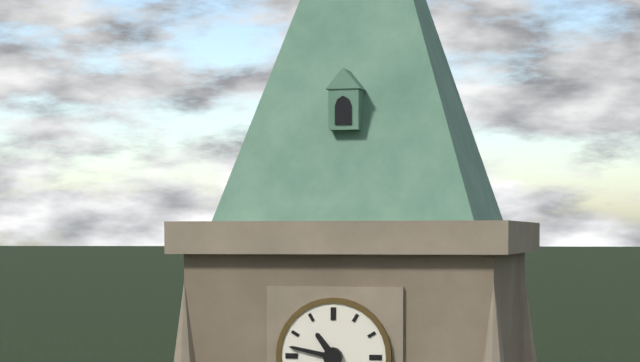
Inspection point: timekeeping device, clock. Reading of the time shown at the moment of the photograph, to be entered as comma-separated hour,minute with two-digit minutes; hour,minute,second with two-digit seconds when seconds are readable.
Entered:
10,47
